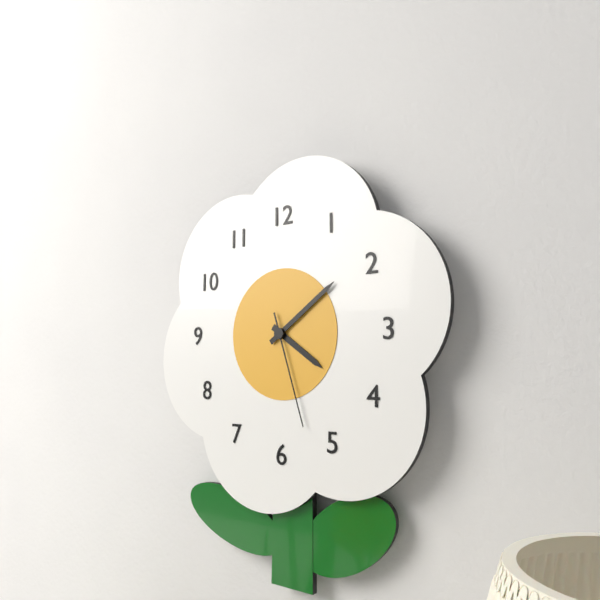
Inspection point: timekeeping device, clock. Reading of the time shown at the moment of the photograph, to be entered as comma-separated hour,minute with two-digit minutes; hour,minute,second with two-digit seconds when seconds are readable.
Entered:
4,09,27
